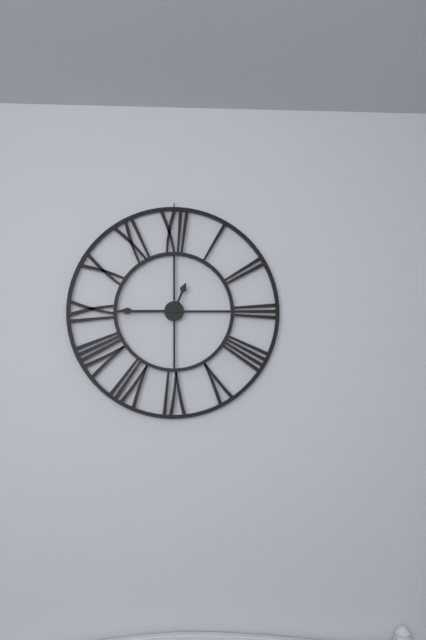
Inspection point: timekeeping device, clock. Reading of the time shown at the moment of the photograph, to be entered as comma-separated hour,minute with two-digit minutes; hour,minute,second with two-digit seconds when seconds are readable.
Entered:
12,45
